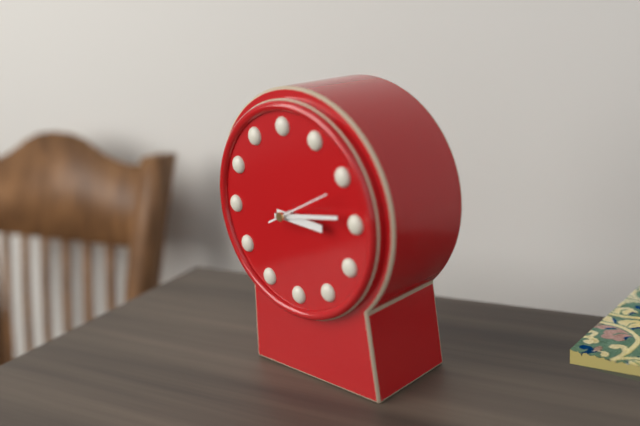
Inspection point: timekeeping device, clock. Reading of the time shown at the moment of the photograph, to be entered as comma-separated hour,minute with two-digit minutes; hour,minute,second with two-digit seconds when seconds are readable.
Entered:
3,14,11
